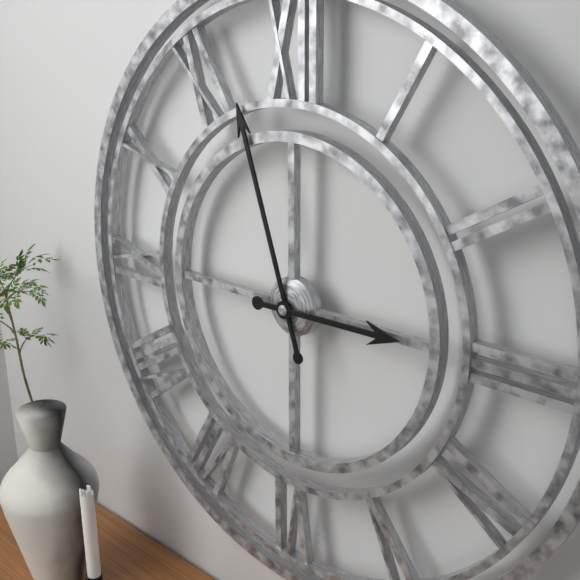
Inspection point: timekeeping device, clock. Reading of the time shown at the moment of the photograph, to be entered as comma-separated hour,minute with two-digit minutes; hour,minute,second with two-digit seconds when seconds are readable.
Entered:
2,57
